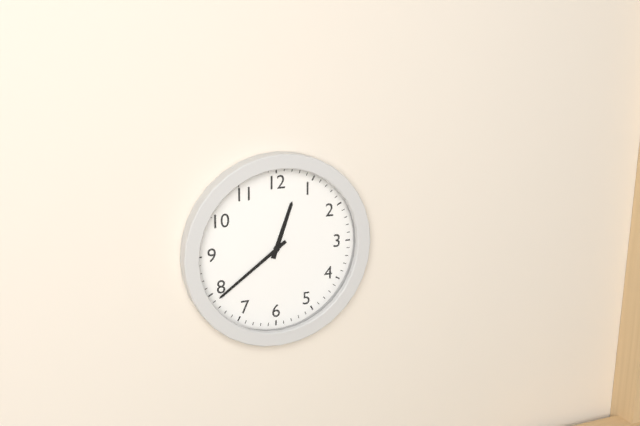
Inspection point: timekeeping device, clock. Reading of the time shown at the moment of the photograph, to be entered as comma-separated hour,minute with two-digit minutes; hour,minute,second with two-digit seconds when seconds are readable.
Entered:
12,39
